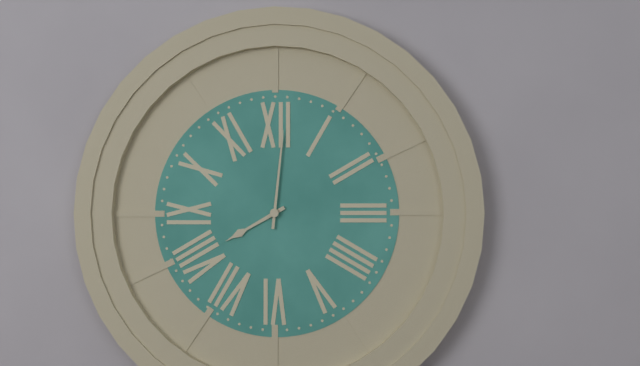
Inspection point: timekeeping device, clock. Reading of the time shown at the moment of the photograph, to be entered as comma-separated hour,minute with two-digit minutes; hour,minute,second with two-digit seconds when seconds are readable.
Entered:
8,01
